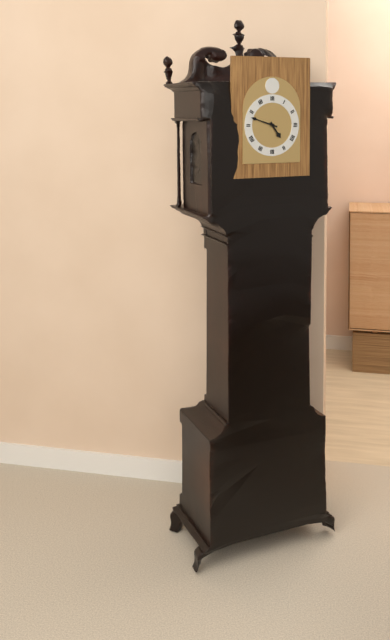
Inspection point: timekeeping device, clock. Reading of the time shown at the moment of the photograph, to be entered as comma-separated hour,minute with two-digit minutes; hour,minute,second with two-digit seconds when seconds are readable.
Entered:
4,48
